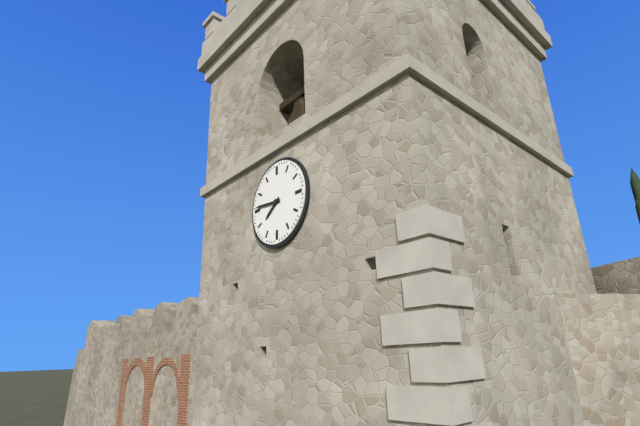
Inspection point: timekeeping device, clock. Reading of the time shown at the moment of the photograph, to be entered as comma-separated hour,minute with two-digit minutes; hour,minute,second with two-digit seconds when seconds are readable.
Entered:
7,46
